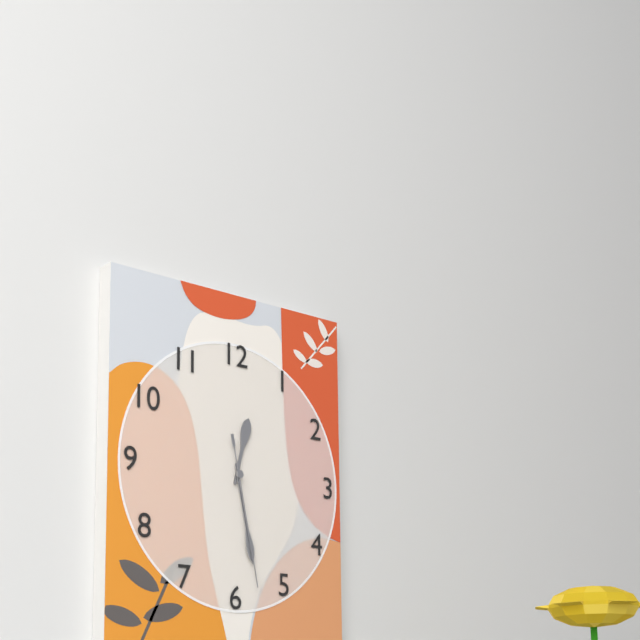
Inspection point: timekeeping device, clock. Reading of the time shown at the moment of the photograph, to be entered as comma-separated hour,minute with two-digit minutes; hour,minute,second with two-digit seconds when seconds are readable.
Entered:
12,28,28
